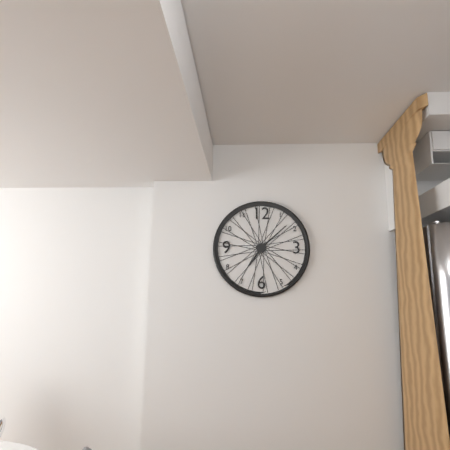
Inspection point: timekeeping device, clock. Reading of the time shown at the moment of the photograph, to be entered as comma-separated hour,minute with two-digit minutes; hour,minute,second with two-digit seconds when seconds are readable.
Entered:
7,08
